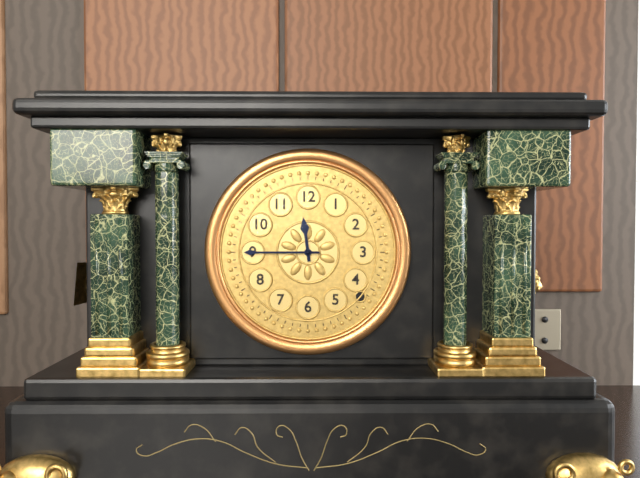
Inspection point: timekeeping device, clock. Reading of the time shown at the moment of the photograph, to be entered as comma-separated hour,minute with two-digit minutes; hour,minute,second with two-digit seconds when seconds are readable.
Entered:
11,45
